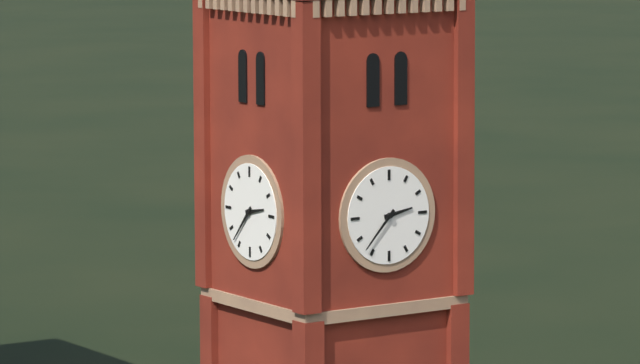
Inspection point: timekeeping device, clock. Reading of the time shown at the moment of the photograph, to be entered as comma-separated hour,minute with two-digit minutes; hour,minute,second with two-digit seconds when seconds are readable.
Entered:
2,37
